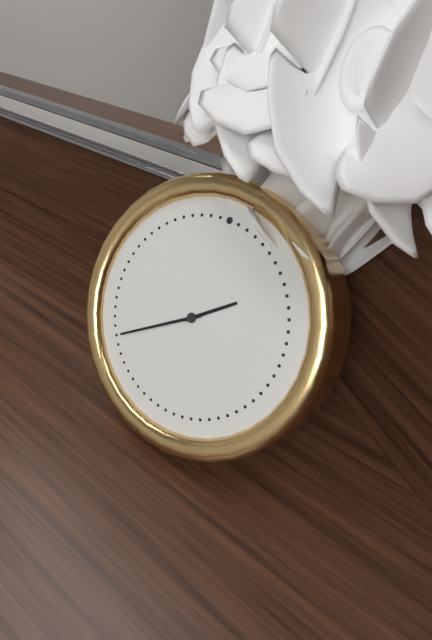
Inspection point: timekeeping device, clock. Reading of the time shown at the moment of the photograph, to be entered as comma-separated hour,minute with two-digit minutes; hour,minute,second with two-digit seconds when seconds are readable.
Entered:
1,39
